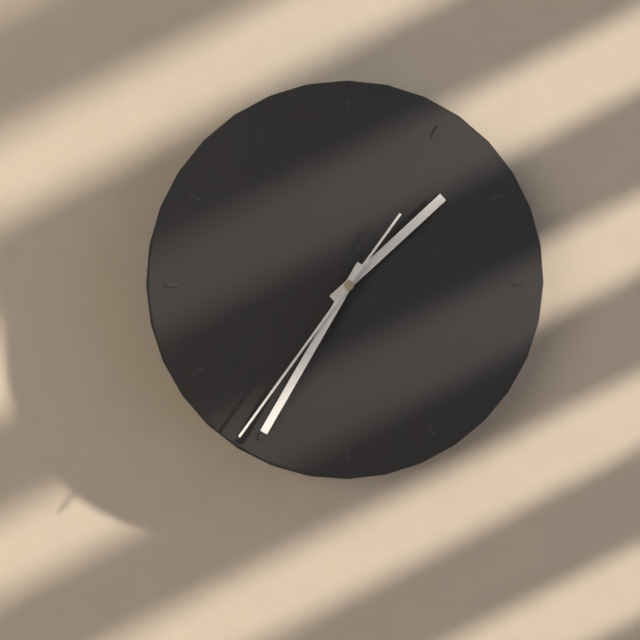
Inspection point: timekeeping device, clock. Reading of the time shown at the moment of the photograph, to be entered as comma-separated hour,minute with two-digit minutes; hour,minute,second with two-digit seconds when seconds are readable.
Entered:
1,35,36
